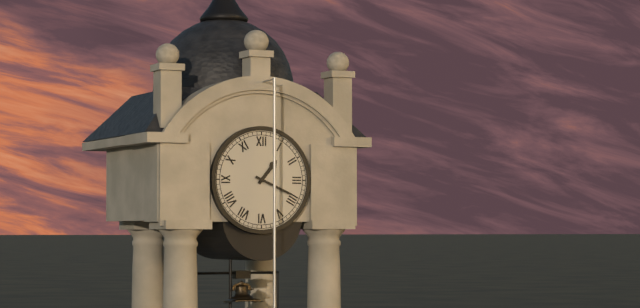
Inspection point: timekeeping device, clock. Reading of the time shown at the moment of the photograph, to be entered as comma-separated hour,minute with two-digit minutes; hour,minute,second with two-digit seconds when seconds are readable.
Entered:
1,19
